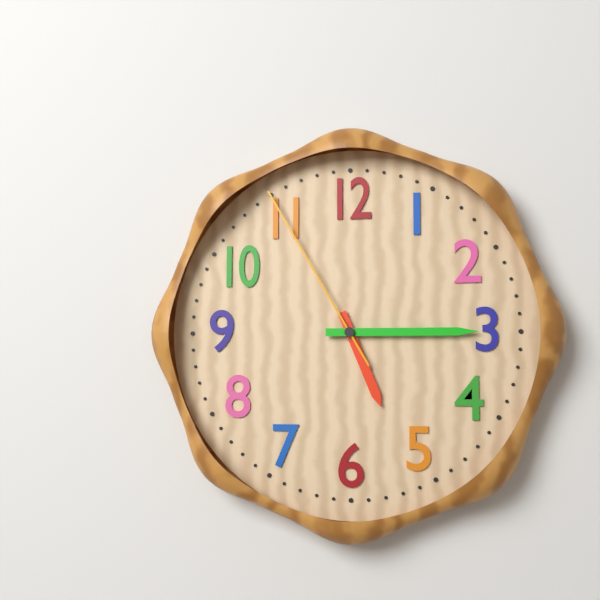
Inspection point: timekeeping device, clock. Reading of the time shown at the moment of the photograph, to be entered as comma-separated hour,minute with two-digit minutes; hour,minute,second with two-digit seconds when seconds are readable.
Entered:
5,15,55
